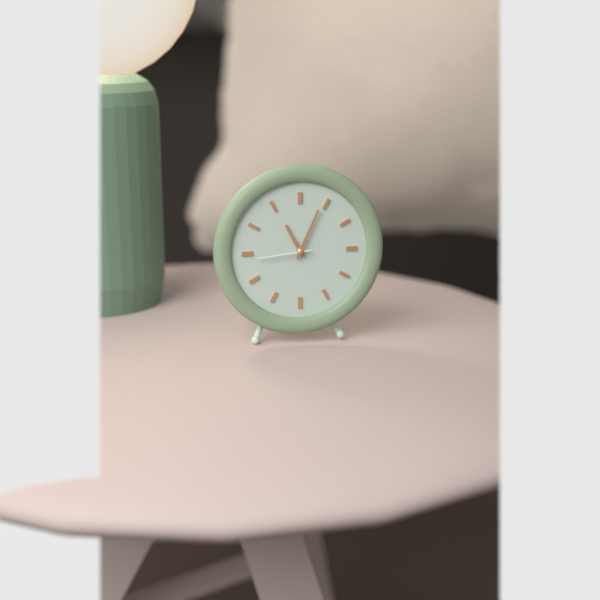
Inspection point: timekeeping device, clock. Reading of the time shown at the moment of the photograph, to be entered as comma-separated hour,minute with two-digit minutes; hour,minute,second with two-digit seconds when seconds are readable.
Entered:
11,04,44
